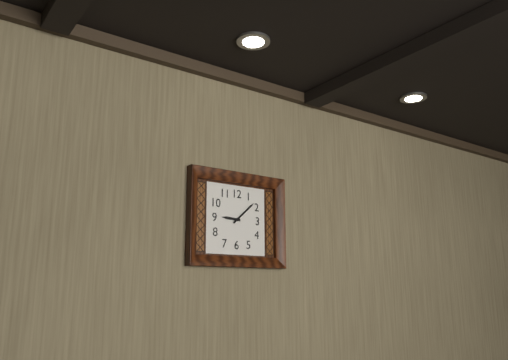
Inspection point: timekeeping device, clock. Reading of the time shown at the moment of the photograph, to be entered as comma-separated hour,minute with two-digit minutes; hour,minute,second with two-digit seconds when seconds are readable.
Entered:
9,08
